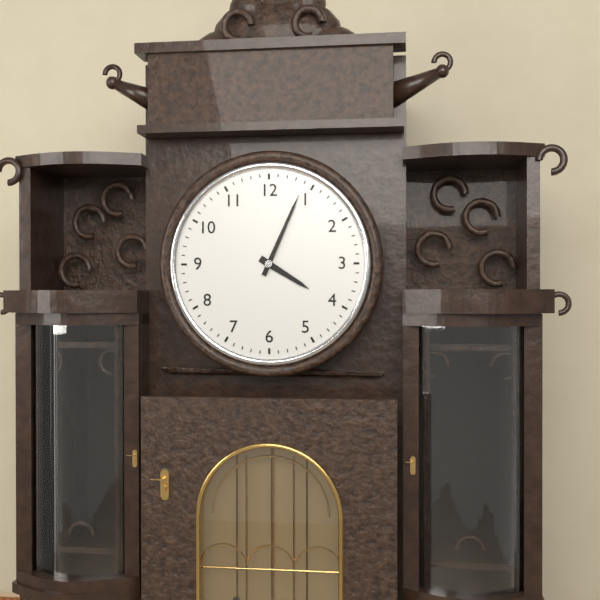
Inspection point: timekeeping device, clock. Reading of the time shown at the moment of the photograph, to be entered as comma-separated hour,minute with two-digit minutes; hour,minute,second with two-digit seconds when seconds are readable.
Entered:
4,04
